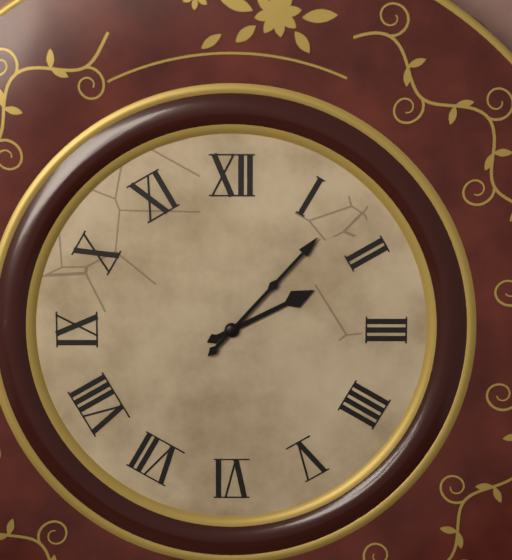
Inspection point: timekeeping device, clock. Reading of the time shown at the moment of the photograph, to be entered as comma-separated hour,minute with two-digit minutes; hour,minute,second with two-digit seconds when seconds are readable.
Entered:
2,07
